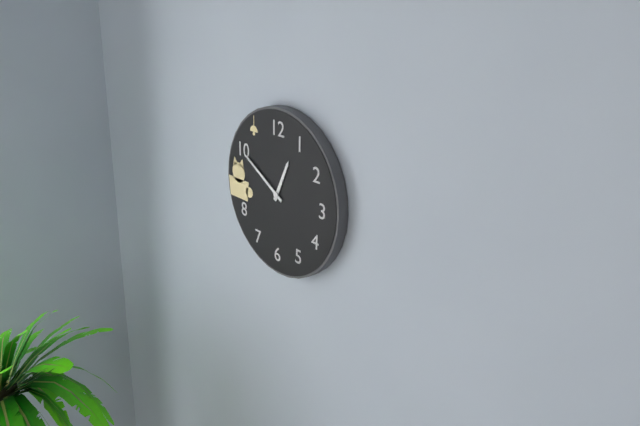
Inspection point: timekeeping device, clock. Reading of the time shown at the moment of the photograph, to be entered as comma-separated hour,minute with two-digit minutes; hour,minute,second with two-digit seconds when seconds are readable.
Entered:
12,50
